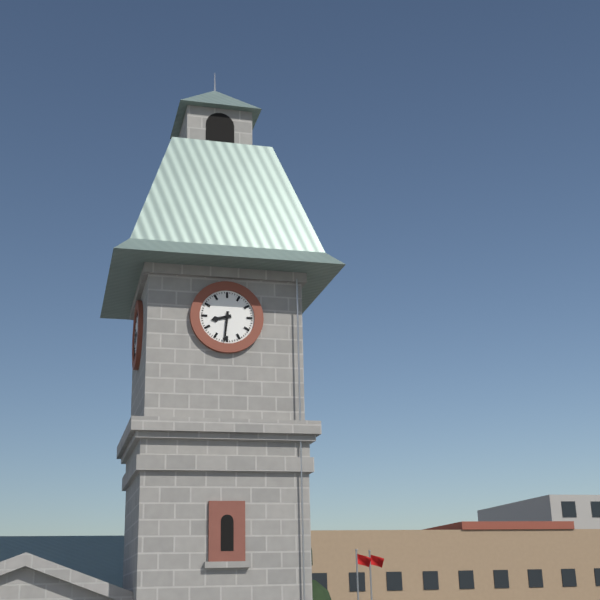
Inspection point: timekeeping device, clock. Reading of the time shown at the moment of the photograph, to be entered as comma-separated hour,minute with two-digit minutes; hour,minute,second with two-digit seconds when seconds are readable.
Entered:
8,31
